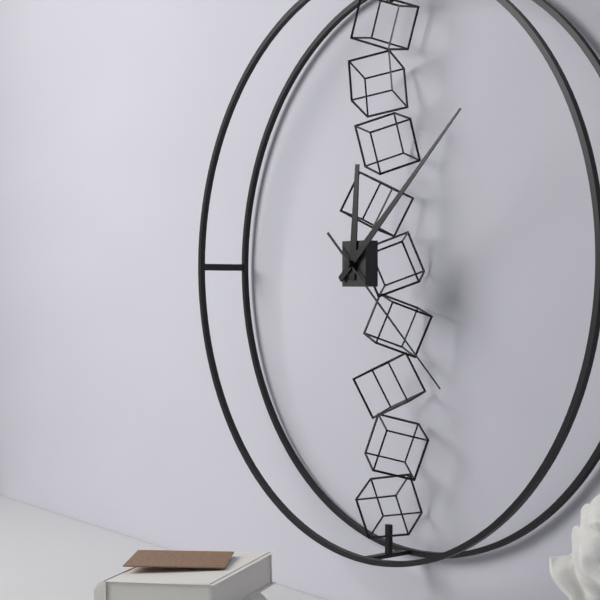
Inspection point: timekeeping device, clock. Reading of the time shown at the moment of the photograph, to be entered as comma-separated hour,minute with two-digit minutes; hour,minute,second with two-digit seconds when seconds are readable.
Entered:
12,08,22
